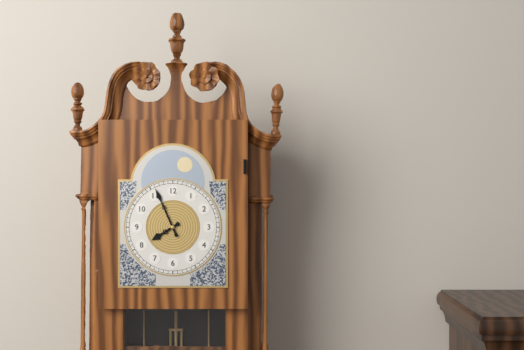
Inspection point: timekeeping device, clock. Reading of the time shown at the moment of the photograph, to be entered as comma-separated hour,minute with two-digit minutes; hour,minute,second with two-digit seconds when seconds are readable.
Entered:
7,56
